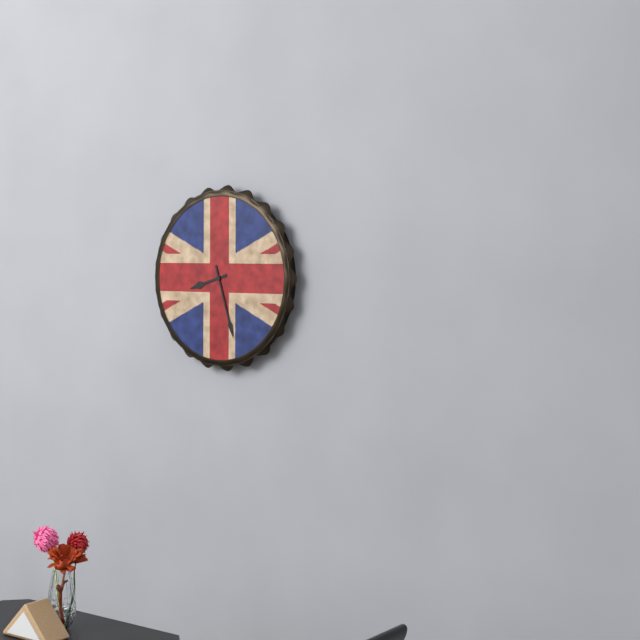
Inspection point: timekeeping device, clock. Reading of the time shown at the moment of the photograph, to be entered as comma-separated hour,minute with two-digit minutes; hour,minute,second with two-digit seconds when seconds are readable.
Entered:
8,27
